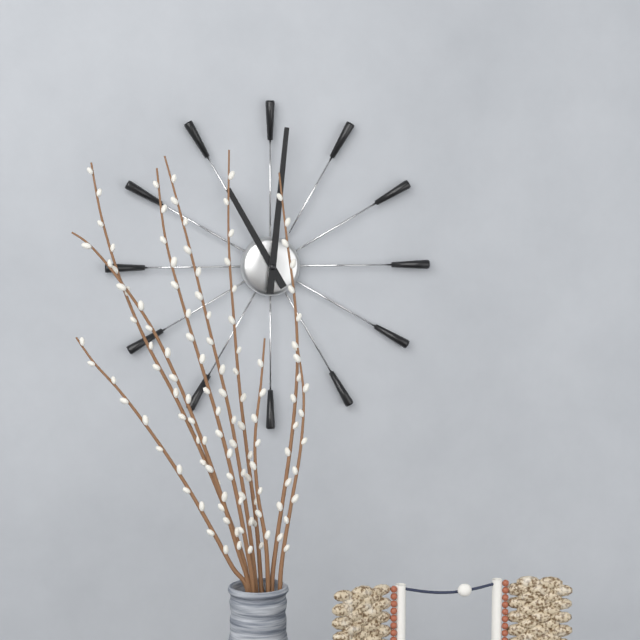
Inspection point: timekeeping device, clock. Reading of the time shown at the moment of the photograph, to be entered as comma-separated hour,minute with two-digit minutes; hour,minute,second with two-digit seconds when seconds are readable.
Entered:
11,01
